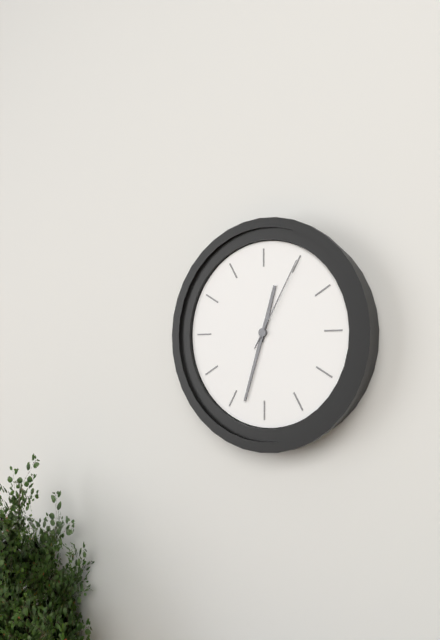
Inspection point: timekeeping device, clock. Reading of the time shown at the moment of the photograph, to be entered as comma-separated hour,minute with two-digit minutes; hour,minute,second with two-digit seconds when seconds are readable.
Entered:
12,33,05
